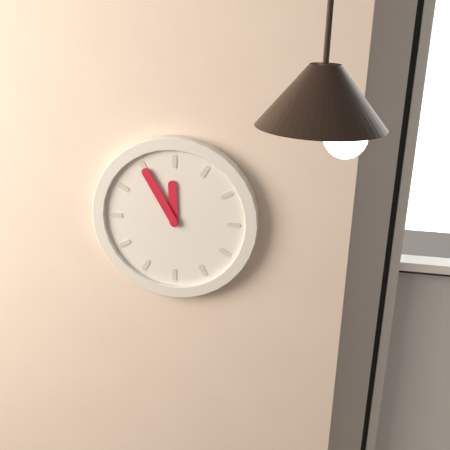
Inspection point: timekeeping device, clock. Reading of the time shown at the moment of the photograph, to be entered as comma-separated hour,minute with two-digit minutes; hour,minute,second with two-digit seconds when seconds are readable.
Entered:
11,55
